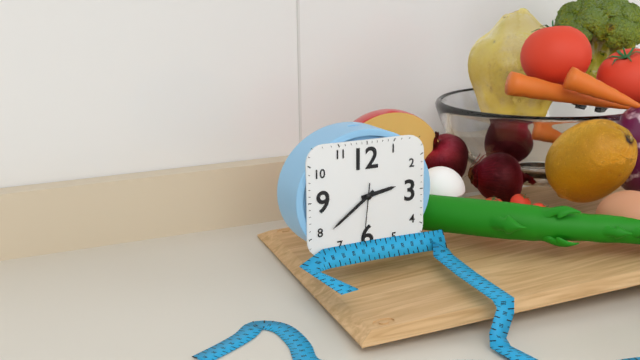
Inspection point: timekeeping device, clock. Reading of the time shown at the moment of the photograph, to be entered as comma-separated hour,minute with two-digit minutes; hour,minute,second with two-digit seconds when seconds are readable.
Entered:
2,39,31
